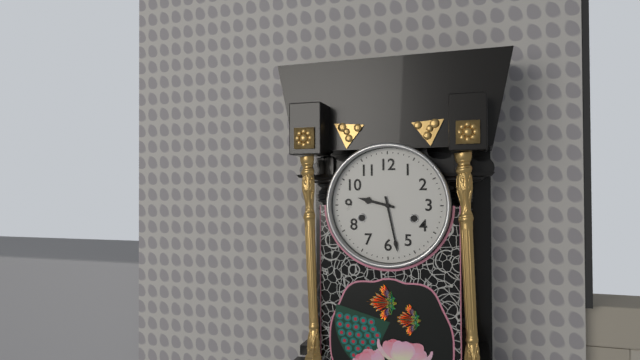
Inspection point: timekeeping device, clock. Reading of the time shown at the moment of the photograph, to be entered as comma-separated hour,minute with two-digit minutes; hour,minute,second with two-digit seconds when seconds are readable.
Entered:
9,28
